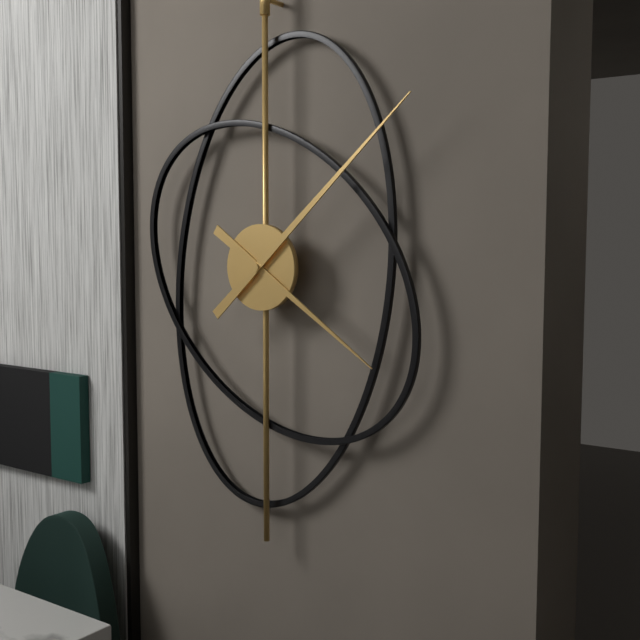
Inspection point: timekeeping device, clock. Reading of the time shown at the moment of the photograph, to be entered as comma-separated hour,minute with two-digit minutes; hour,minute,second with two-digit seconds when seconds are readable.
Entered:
4,08
